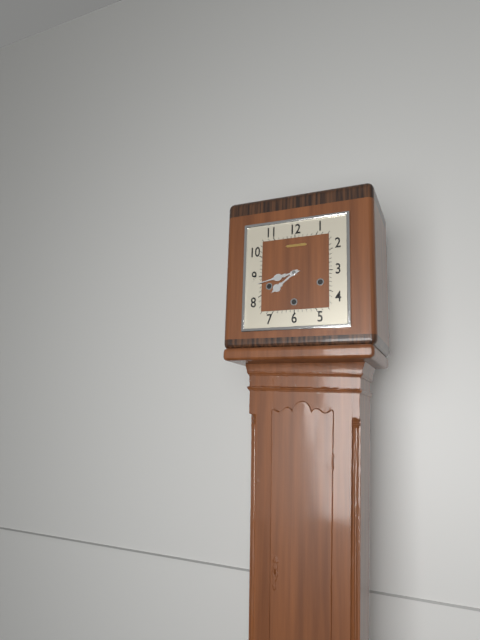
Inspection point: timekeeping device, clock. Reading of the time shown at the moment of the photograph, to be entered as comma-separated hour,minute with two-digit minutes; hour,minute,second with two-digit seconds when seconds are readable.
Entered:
7,43
